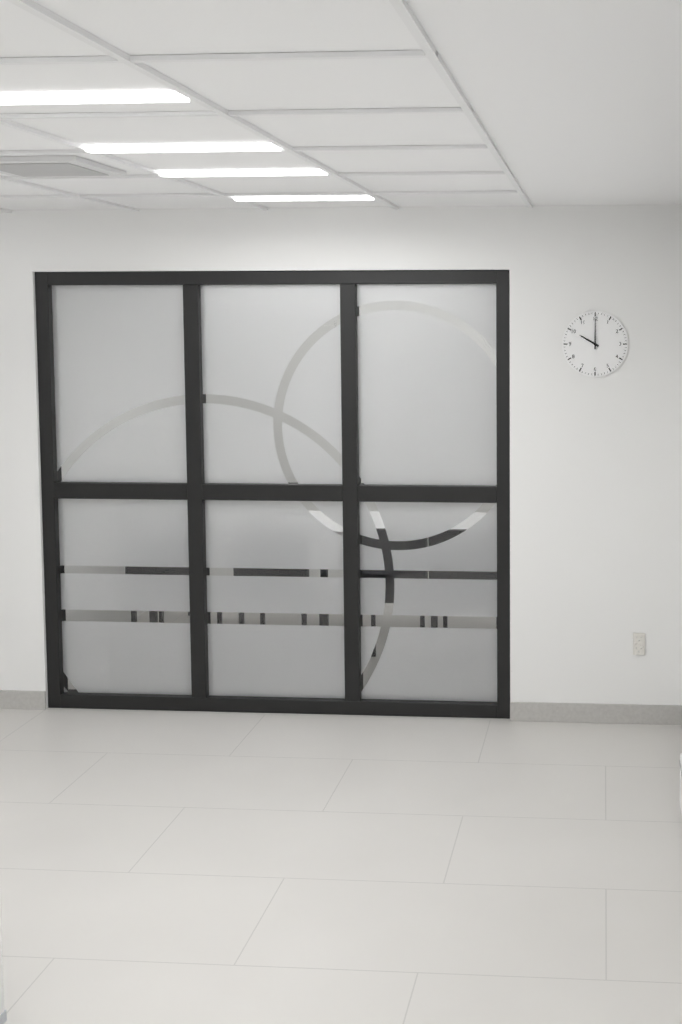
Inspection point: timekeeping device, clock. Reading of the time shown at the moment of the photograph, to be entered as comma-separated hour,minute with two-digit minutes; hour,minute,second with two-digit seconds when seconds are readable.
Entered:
10,00
